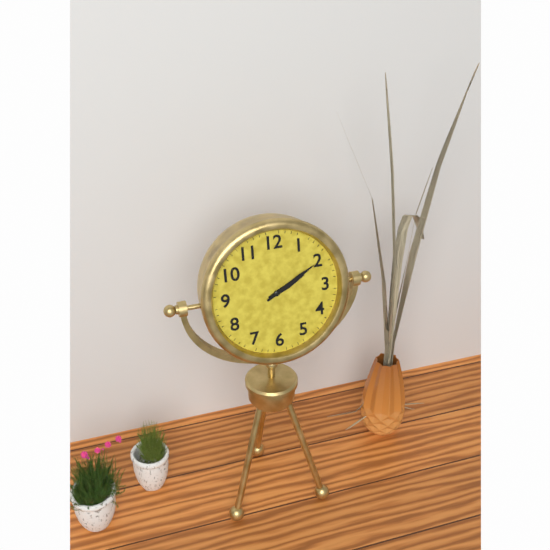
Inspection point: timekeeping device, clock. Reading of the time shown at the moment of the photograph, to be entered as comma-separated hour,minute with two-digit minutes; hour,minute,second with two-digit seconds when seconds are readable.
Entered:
2,10
